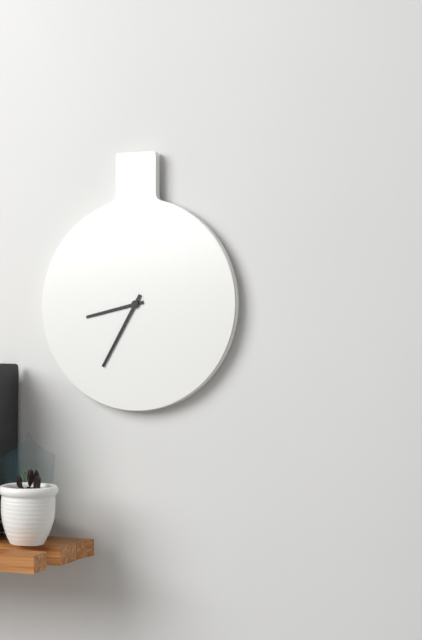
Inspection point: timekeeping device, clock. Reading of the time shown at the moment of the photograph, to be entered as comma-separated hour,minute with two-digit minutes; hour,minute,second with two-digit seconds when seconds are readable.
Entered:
8,35
